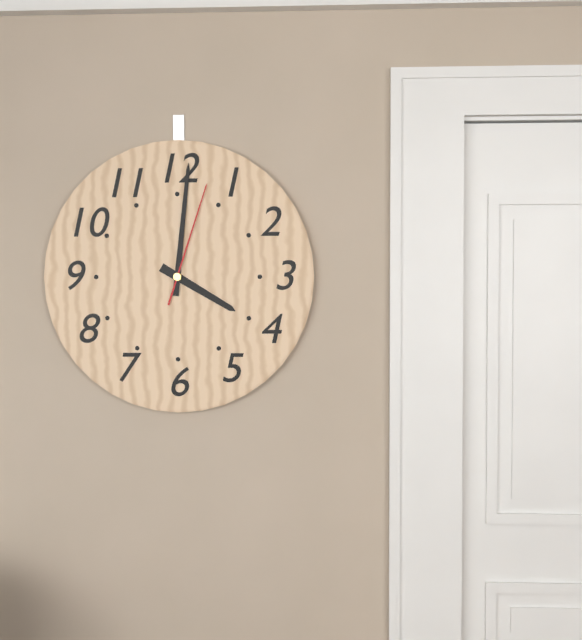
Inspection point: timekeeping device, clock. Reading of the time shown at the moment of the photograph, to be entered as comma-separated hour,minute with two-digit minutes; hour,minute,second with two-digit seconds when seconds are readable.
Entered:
4,01,03
